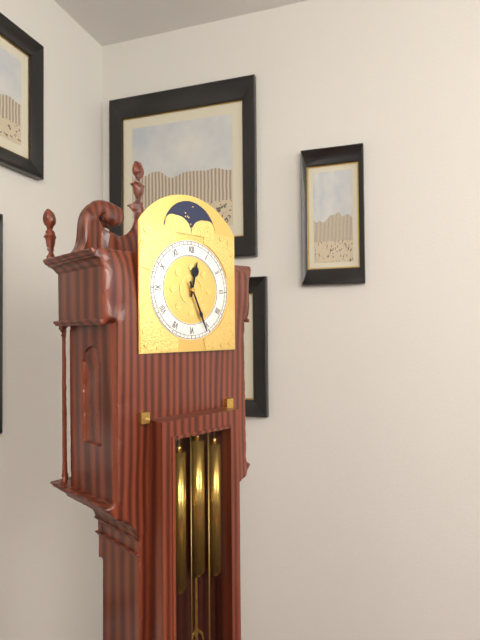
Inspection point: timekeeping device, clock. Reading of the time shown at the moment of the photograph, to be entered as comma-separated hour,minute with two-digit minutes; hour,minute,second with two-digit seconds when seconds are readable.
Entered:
12,26
